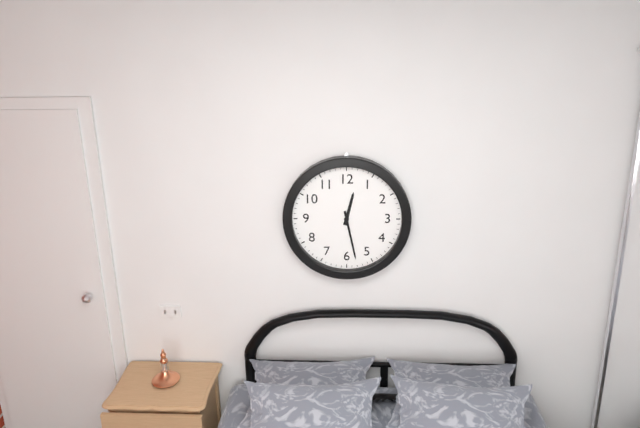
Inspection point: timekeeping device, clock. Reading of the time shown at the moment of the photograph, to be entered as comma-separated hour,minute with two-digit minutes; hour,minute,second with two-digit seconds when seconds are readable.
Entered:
12,28
